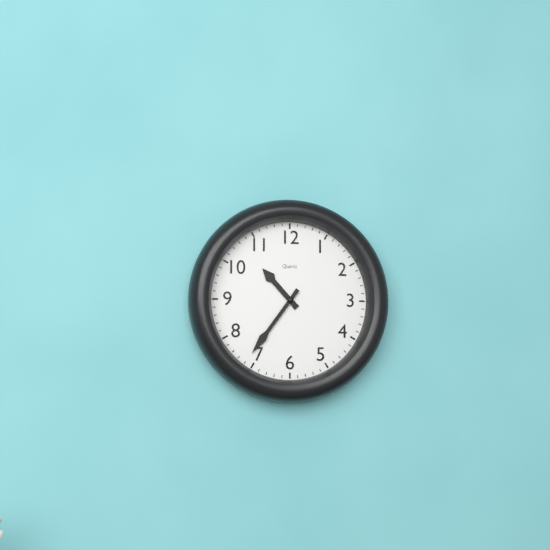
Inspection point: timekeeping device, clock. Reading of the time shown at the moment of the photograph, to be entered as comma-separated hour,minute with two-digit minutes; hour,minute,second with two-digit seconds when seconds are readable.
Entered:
10,36
